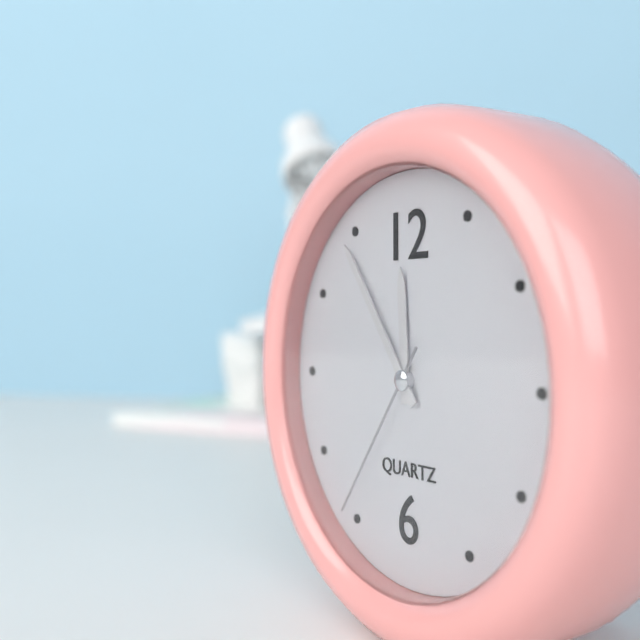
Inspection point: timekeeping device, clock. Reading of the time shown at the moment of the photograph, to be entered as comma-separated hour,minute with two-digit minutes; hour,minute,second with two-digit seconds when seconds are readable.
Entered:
11,54,36
